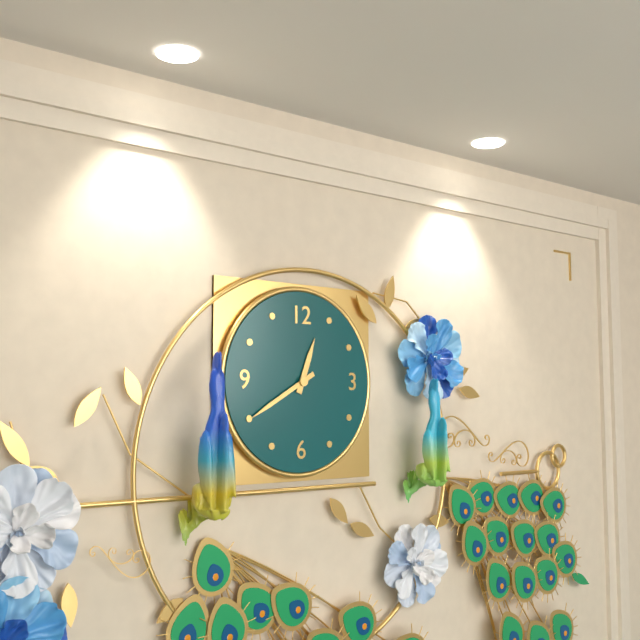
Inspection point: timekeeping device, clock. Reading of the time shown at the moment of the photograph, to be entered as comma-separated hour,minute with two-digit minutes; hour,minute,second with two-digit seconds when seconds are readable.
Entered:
12,40
